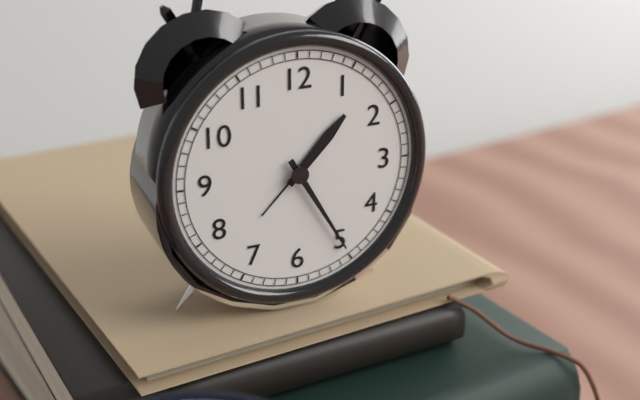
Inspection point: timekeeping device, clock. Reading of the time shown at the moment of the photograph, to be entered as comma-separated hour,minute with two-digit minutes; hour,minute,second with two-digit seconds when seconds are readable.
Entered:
1,25
